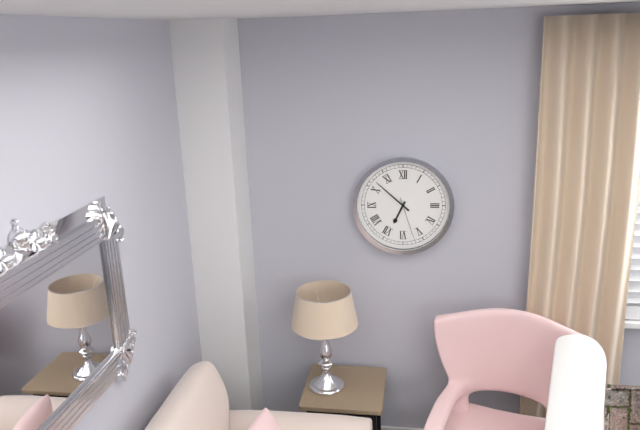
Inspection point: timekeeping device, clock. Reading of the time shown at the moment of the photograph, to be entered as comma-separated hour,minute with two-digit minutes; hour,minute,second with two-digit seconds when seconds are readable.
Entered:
6,52
